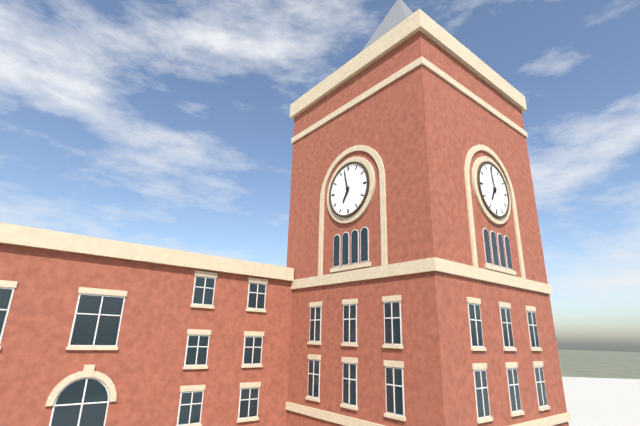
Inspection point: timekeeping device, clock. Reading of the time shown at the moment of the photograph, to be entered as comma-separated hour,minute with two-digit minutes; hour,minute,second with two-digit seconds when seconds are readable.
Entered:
6,58
